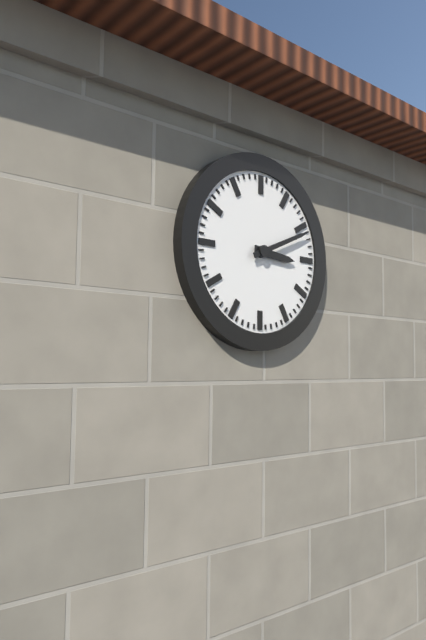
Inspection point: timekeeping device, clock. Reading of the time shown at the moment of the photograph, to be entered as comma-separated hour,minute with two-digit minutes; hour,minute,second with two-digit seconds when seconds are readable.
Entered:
3,11
